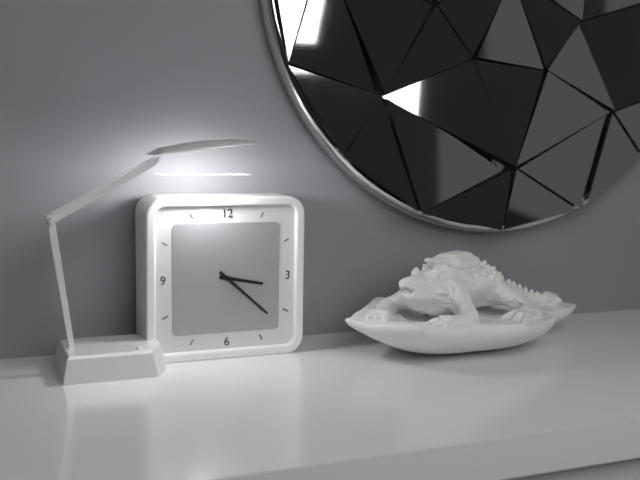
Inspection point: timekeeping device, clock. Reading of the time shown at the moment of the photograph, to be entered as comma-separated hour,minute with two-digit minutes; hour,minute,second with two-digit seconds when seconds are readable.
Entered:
3,22
